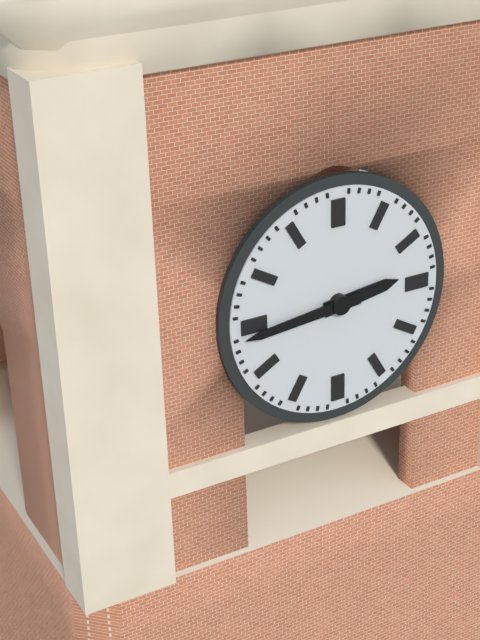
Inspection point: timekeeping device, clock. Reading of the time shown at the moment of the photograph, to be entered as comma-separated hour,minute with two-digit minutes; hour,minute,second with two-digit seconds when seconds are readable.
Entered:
2,44
